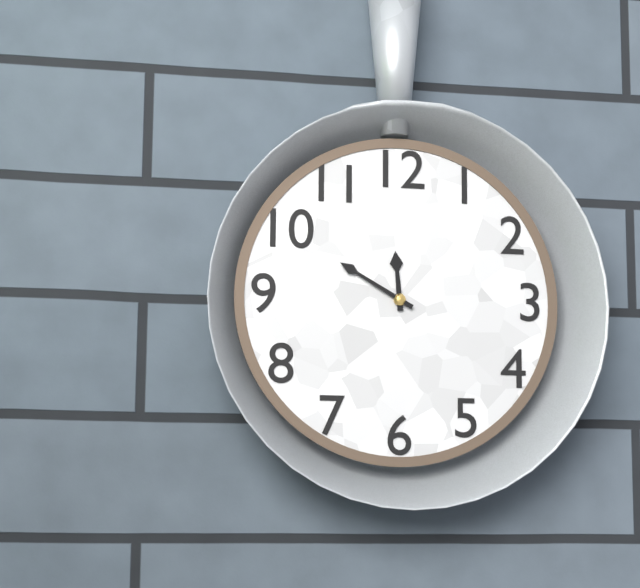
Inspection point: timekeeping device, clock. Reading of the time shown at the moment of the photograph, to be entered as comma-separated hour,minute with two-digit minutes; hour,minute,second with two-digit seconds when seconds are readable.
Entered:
11,50
